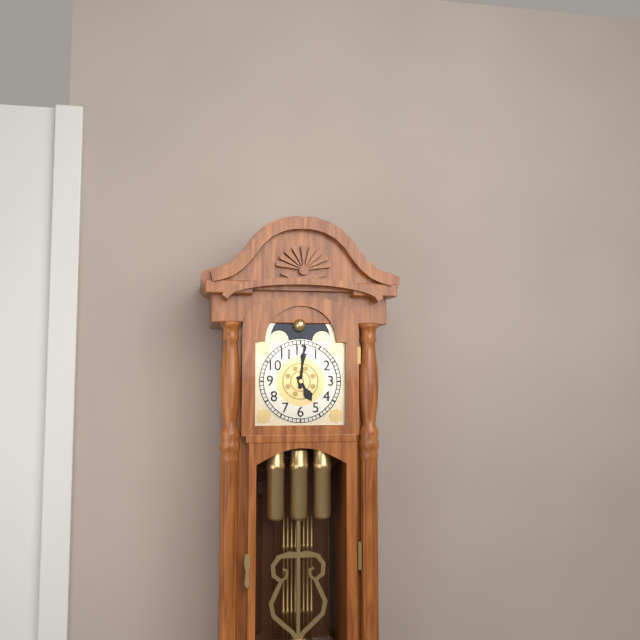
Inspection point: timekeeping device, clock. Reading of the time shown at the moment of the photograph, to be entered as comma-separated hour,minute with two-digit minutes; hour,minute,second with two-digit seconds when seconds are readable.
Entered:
5,01
